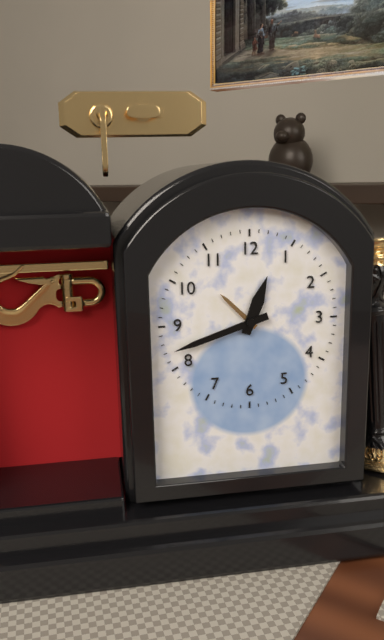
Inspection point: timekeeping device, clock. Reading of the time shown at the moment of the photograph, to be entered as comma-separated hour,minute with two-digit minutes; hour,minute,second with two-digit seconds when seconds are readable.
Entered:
12,42
